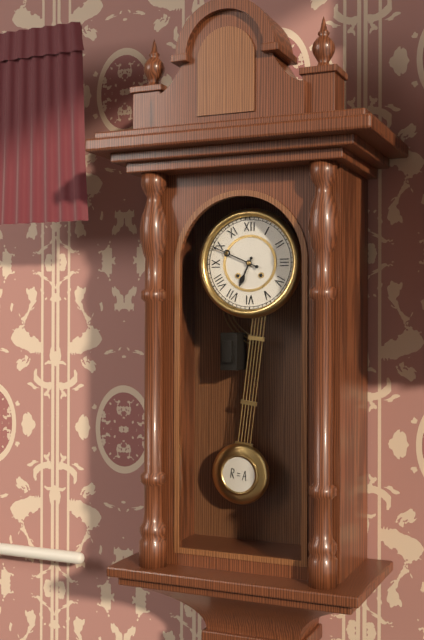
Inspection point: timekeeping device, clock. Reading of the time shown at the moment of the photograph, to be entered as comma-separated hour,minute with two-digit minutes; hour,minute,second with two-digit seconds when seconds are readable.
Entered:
6,49
